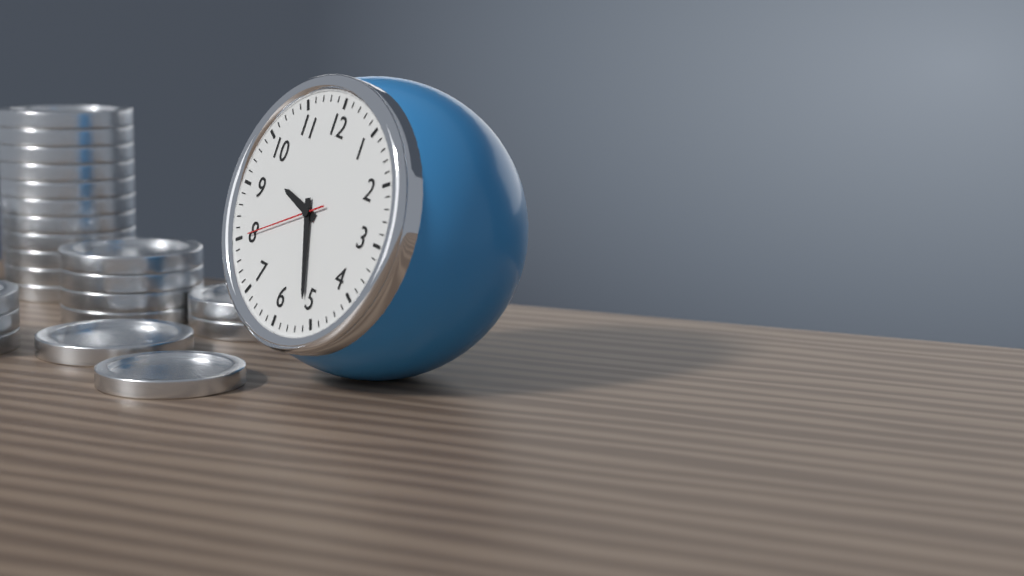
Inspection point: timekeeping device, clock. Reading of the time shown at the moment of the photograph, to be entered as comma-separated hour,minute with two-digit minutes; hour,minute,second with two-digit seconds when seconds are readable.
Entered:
9,26,40
